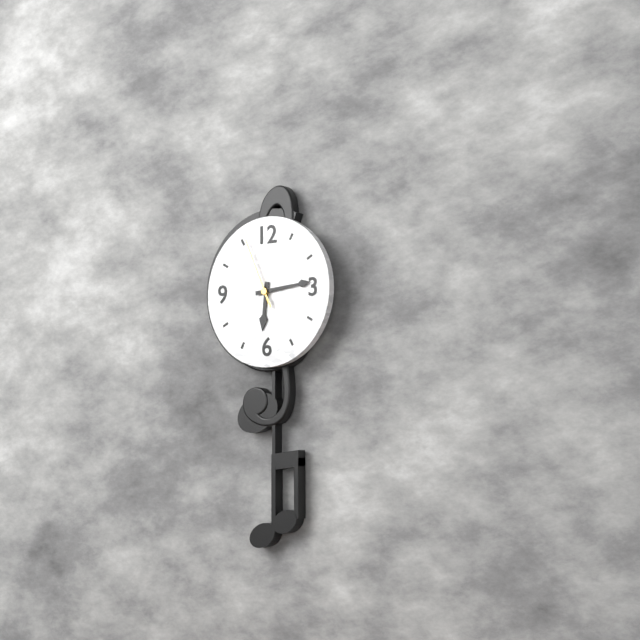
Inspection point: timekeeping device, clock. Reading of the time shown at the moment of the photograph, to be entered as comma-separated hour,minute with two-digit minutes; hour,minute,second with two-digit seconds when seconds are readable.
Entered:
6,14,56
